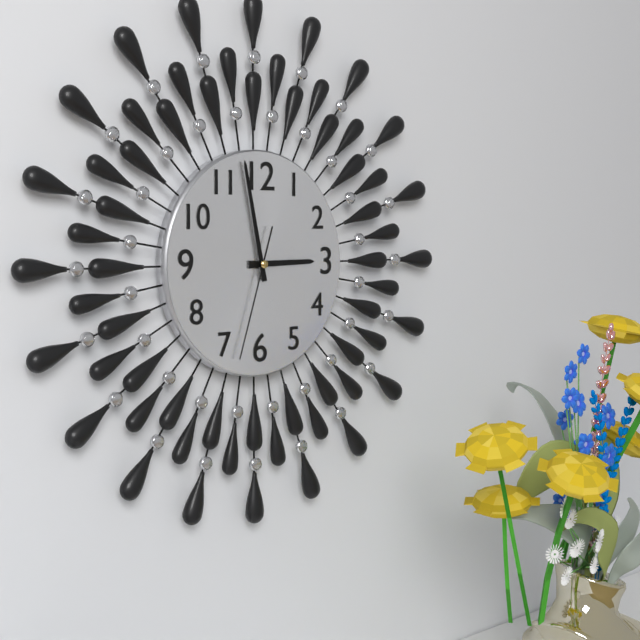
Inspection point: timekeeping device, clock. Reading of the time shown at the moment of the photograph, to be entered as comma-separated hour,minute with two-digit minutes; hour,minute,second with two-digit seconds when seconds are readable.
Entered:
2,58,33
